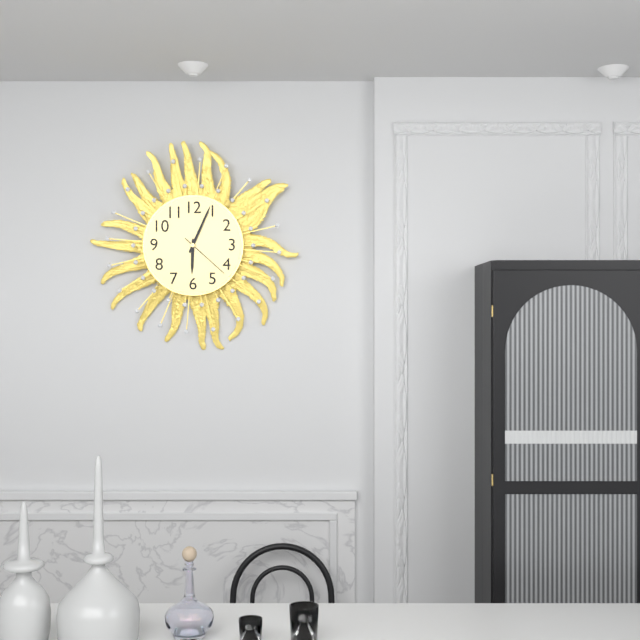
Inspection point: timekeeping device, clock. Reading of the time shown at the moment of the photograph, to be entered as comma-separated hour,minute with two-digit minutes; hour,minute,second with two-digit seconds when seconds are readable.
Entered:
6,04,22
